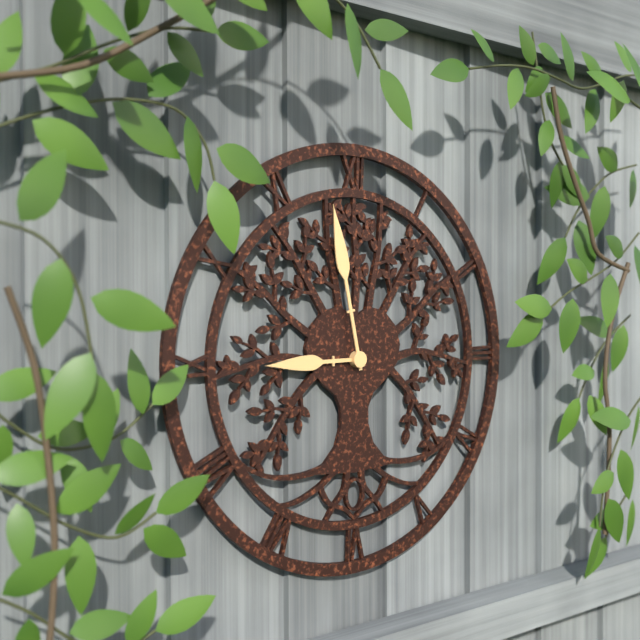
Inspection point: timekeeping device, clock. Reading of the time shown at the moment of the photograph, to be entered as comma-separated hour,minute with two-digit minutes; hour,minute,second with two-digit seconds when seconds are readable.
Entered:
8,58
